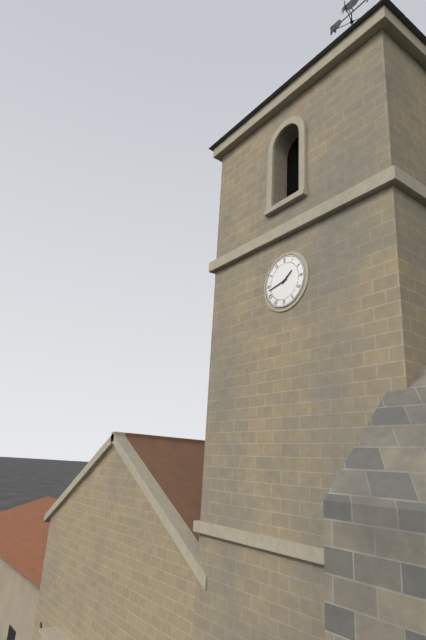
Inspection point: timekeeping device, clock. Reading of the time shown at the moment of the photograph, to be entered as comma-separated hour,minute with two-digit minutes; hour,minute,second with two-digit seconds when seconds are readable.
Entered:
1,43
